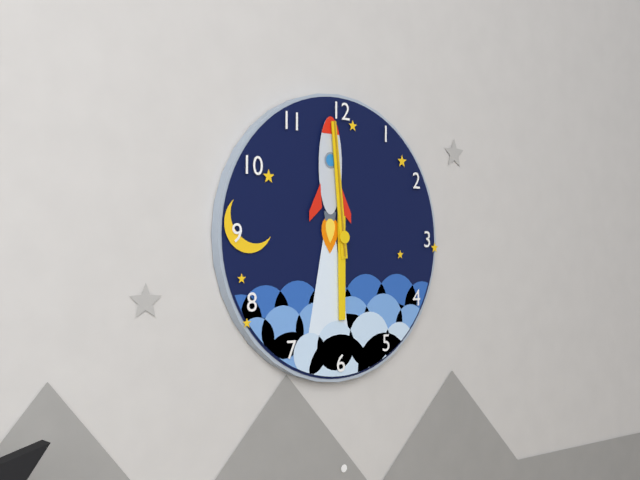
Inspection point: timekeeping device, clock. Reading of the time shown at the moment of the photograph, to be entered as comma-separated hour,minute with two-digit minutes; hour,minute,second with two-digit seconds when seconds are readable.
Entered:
5,59,59
